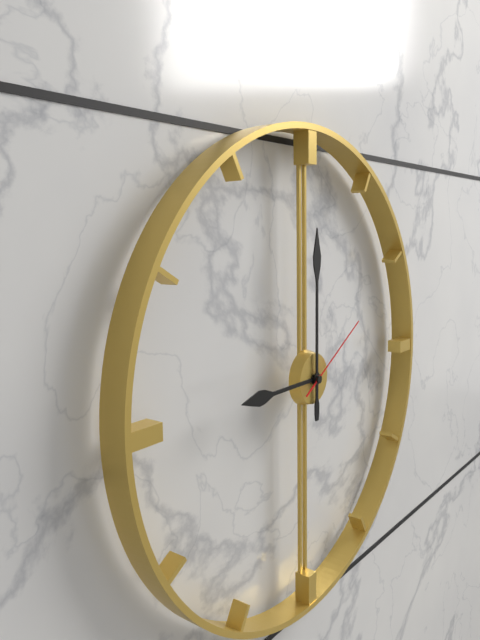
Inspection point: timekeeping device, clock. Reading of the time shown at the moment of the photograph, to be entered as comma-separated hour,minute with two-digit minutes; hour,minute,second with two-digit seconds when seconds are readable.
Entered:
9,00,10
